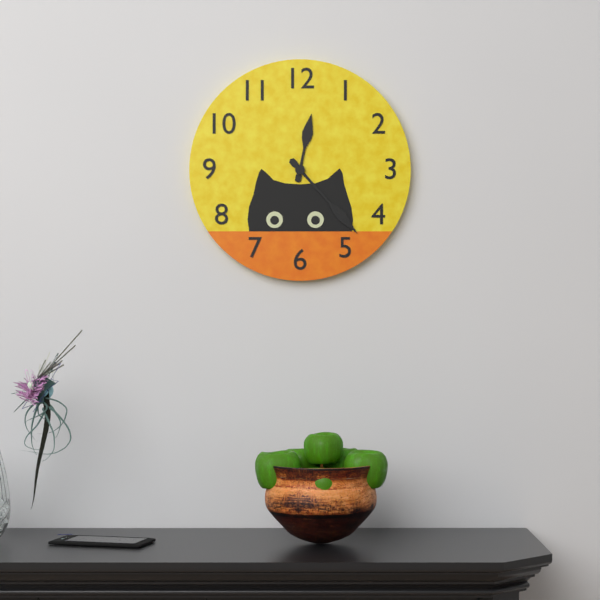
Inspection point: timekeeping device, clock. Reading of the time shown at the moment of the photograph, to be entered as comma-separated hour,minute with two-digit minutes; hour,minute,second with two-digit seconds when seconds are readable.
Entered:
12,23
